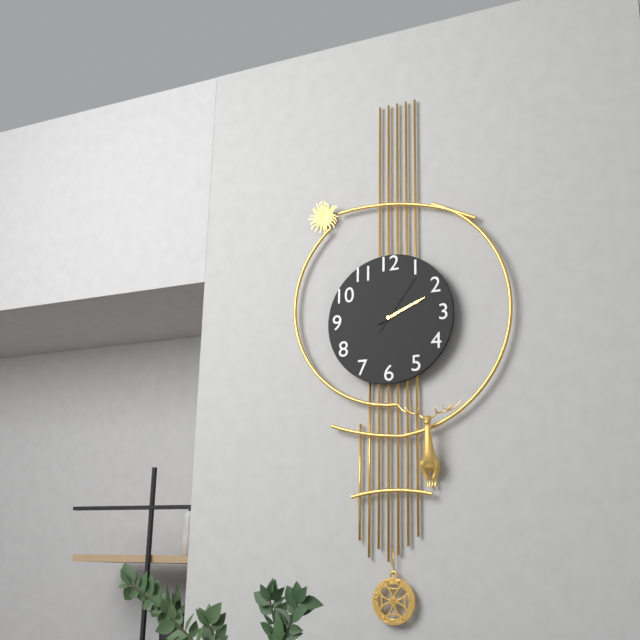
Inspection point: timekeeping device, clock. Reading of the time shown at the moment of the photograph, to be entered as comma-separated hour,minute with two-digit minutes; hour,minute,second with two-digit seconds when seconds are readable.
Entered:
2,11,06
